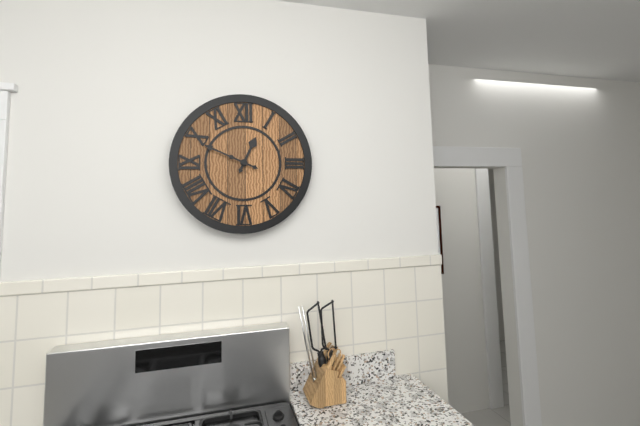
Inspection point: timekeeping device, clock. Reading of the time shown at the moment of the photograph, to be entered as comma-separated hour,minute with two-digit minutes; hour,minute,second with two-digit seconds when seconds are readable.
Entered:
12,49
